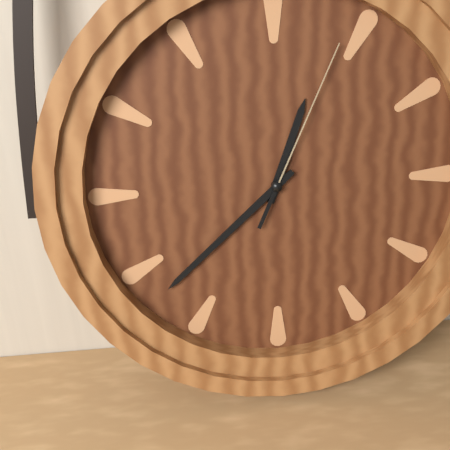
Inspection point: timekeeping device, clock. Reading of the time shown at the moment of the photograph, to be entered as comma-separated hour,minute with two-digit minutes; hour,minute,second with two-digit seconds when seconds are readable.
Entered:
12,38,04
